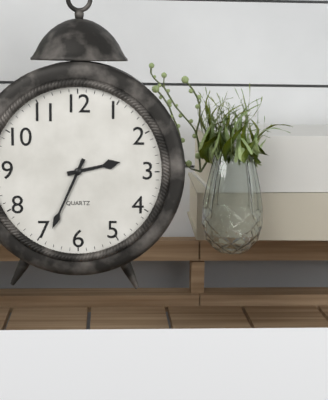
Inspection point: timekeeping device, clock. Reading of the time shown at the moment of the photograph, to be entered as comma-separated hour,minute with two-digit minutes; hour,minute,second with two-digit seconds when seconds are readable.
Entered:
2,34
